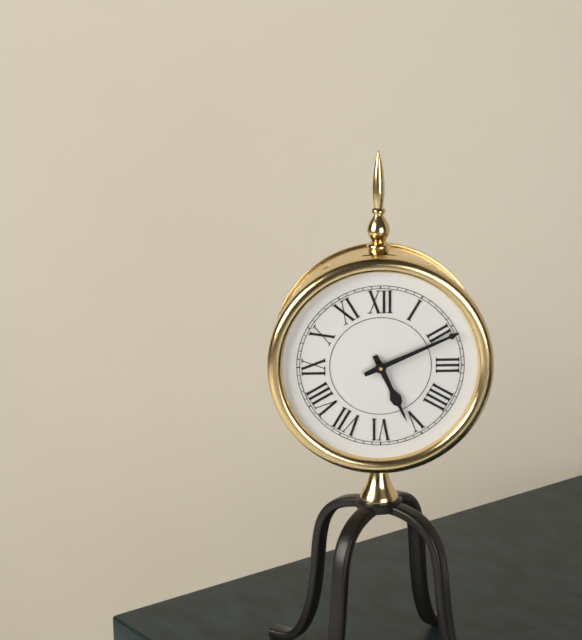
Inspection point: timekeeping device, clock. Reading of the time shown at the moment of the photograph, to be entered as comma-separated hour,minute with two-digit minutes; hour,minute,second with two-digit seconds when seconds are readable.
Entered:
5,11
